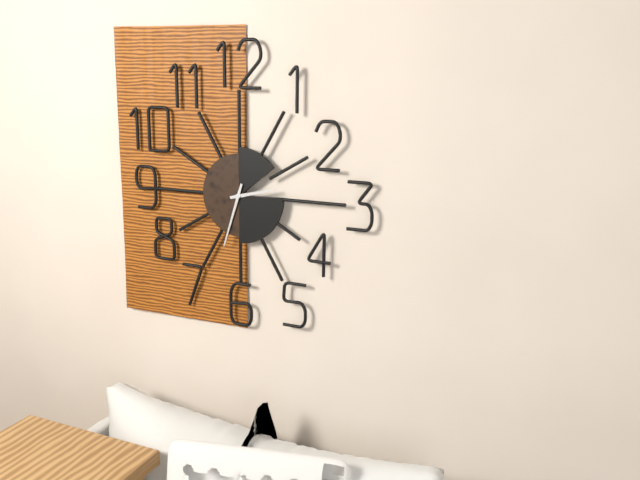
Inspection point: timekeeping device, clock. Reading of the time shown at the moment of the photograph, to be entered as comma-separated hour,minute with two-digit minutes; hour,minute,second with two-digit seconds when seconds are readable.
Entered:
2,33
